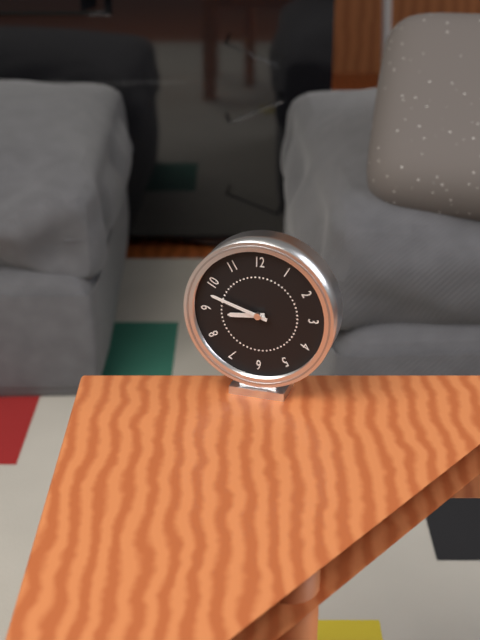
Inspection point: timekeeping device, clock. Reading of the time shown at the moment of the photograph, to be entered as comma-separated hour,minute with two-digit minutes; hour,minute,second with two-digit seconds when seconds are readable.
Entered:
8,48
